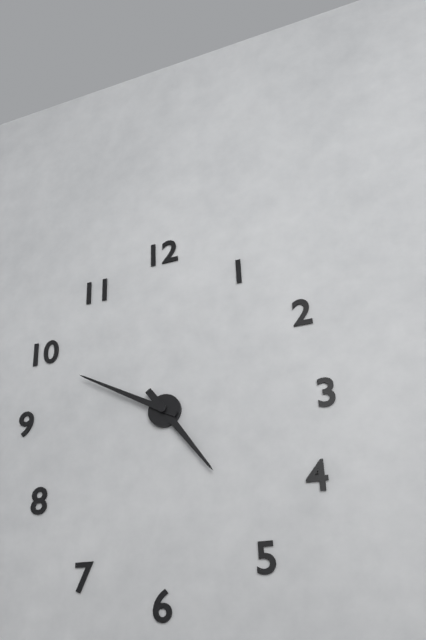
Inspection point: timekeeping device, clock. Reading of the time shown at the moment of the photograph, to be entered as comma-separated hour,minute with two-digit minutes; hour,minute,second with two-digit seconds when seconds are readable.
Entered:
4,50
